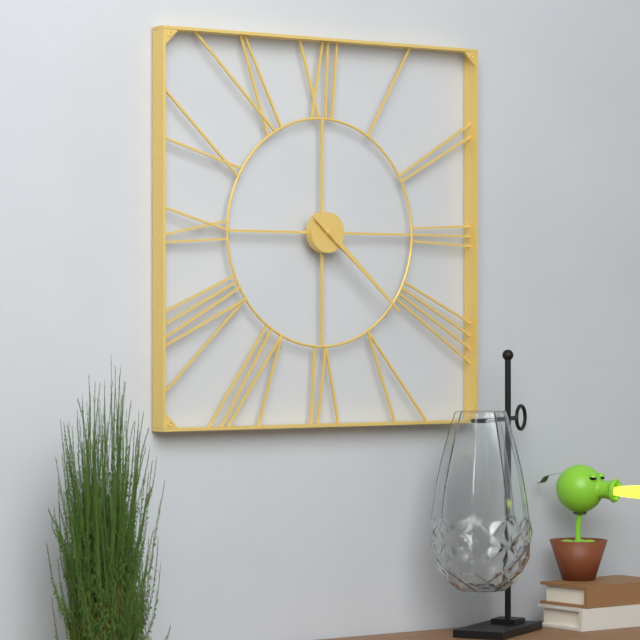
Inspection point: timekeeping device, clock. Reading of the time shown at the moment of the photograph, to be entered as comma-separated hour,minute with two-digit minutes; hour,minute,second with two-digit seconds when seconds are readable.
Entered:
4,22
